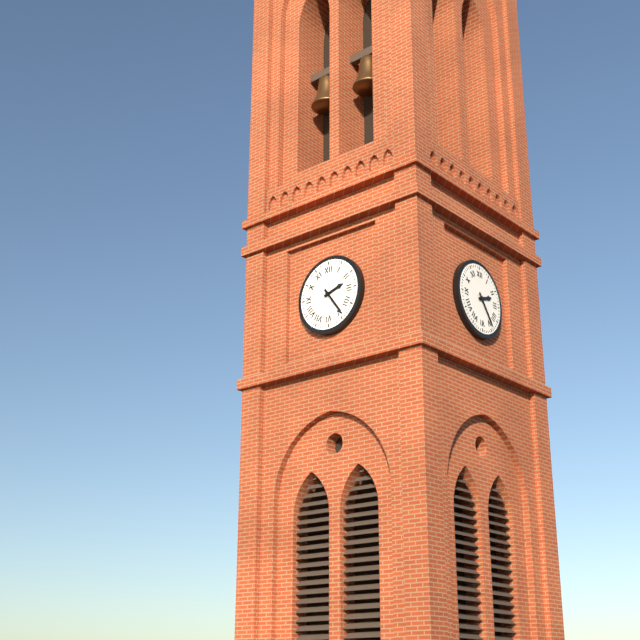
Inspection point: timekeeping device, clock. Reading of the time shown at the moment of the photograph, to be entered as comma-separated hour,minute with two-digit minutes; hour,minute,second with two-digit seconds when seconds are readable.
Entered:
2,24
